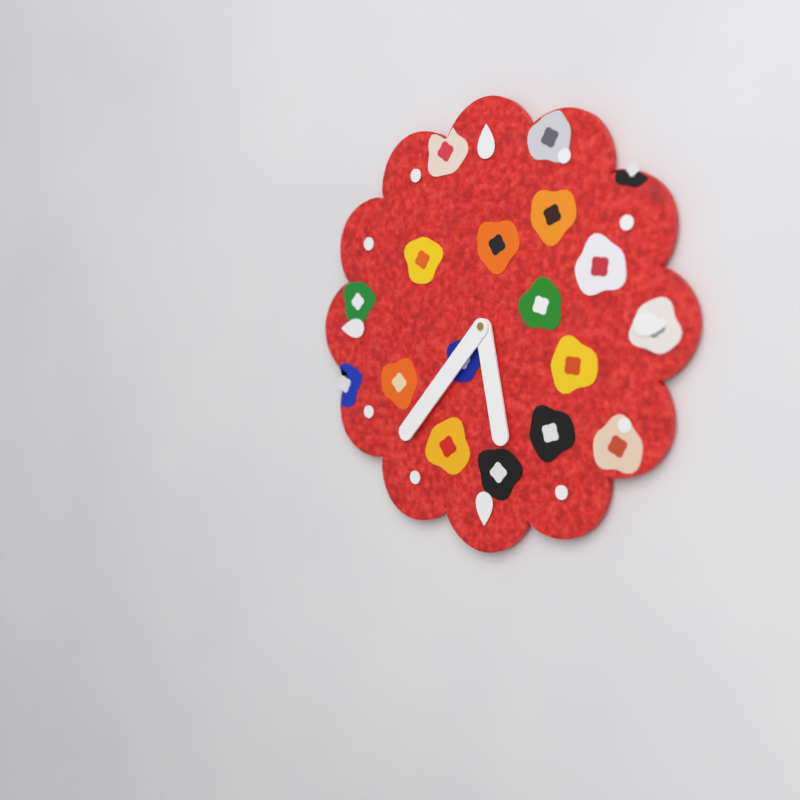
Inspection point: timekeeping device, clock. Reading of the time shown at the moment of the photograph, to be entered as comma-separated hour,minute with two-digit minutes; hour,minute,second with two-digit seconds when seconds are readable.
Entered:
5,37
